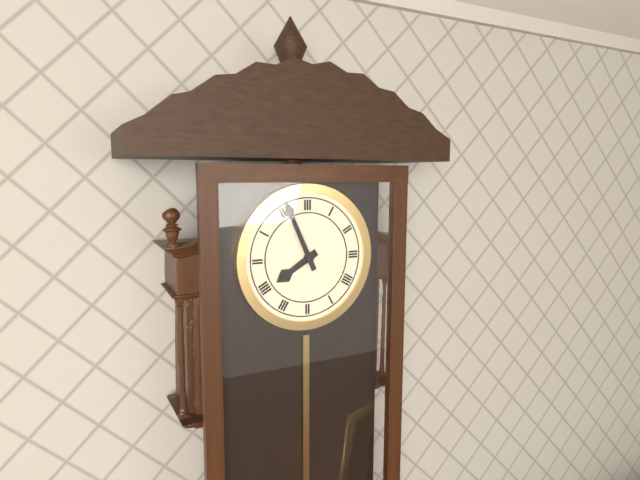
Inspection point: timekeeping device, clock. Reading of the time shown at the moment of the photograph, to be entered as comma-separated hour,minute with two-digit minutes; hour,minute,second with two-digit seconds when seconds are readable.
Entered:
7,56
